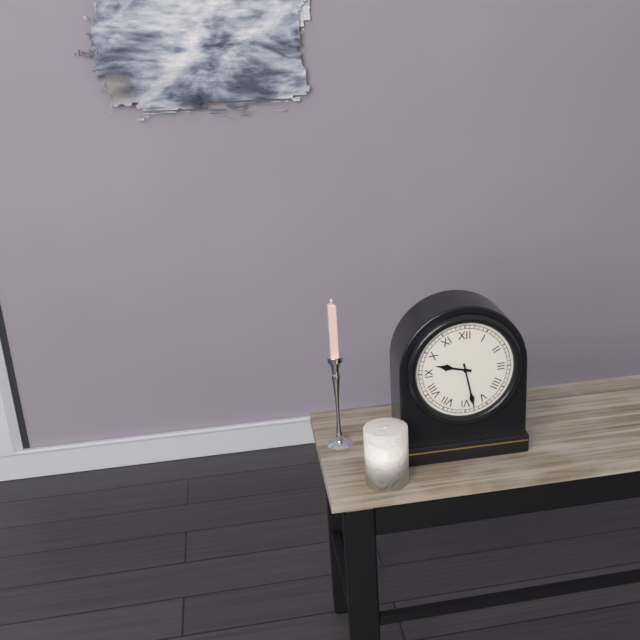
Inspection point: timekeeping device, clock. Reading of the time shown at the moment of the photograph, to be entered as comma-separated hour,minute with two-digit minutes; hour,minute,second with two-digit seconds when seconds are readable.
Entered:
9,28
